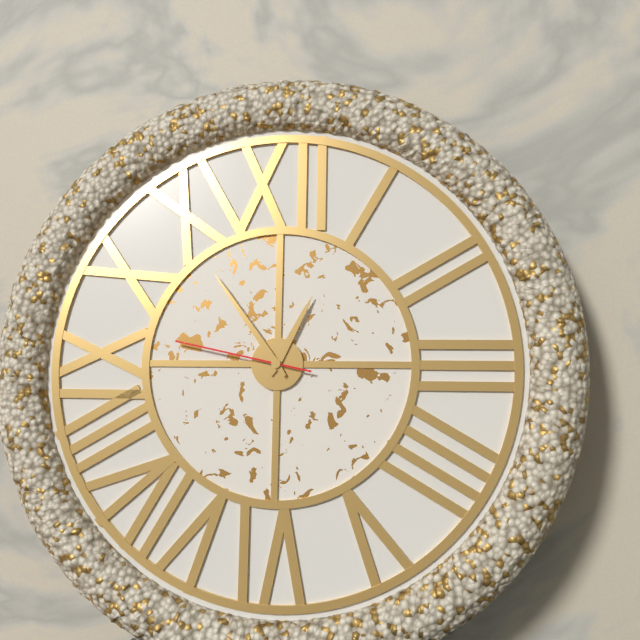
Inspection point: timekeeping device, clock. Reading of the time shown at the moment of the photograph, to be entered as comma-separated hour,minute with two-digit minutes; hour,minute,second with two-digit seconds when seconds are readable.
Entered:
12,54,47
